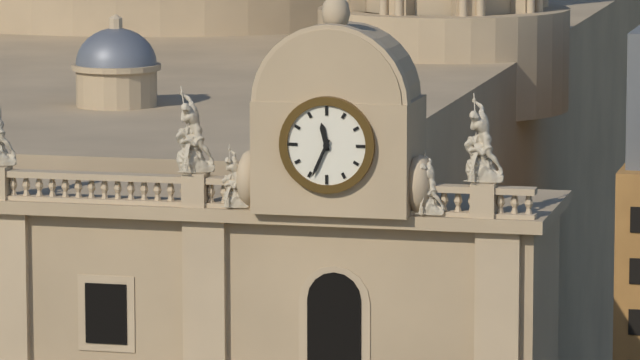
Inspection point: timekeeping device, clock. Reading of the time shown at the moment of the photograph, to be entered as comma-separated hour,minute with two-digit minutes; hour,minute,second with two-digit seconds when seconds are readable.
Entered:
11,34
